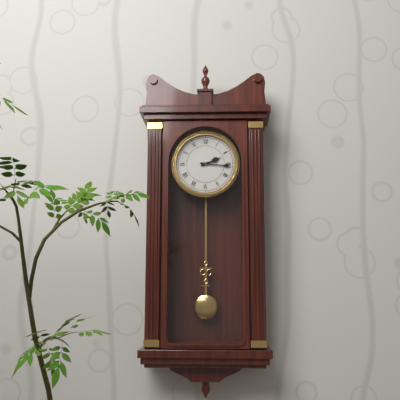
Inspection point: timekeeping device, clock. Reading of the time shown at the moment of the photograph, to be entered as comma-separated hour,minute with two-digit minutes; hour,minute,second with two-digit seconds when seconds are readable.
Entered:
2,16
